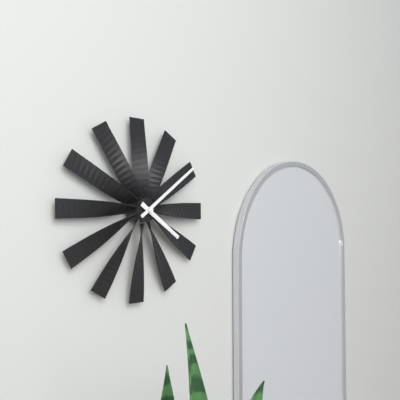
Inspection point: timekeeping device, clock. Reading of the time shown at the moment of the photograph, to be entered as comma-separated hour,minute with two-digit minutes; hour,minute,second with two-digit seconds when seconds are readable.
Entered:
4,09
